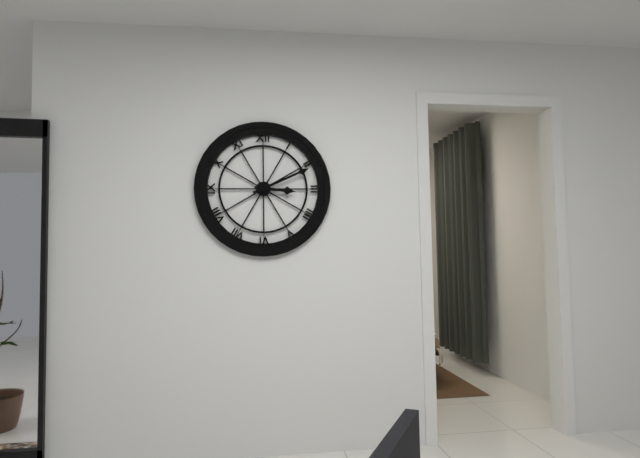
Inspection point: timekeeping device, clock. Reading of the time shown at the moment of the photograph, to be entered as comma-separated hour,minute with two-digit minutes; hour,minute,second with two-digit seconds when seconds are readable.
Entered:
3,11
